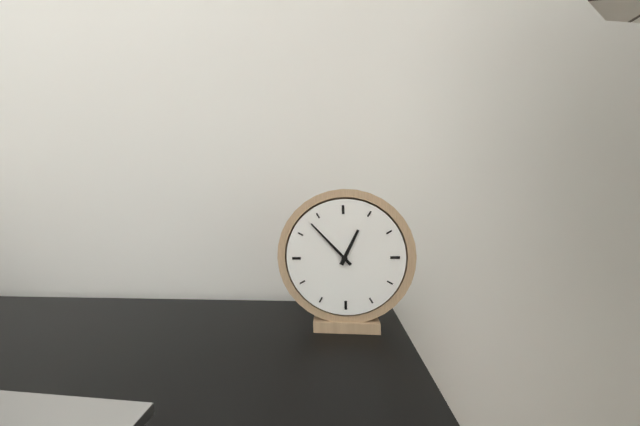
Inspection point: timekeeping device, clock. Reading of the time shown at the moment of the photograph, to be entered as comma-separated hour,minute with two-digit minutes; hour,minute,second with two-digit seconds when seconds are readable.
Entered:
12,53
